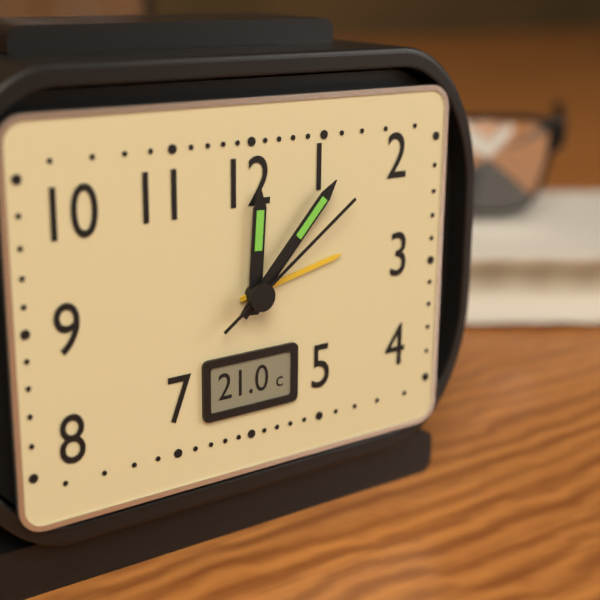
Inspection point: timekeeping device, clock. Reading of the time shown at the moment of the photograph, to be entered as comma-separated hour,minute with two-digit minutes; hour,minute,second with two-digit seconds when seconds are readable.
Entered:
12,07,09
